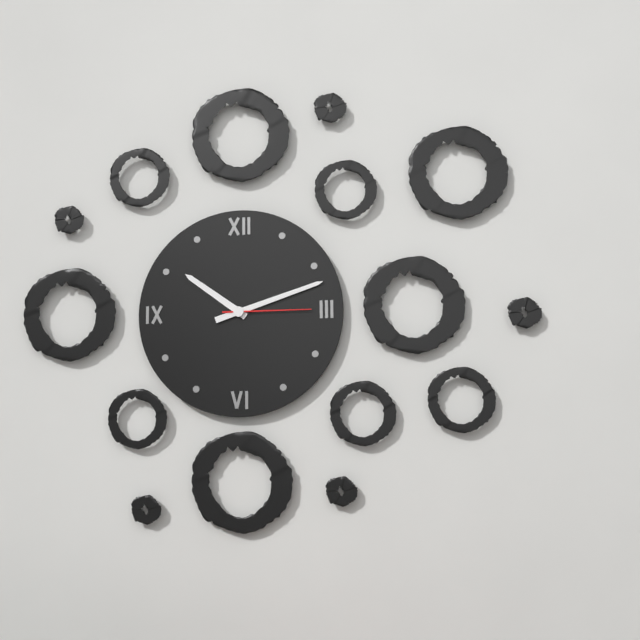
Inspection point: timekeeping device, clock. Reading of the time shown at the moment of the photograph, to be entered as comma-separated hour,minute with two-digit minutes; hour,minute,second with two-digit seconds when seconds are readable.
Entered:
10,12,15
